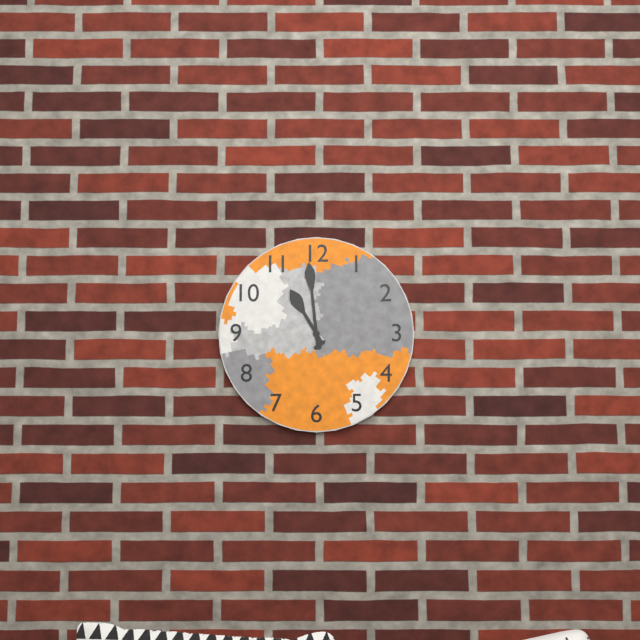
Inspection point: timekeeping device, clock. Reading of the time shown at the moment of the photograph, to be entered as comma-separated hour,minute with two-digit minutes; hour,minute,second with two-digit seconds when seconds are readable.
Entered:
10,59
